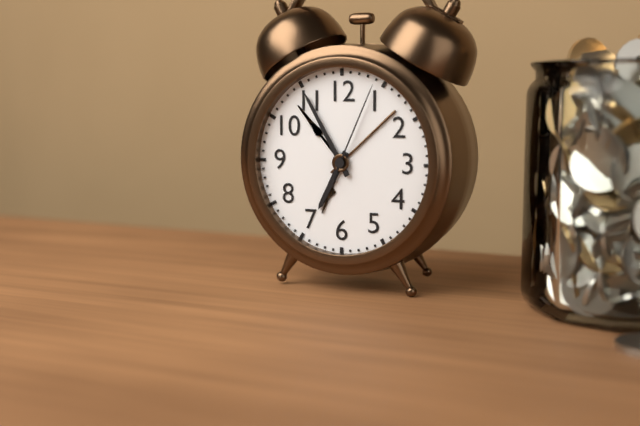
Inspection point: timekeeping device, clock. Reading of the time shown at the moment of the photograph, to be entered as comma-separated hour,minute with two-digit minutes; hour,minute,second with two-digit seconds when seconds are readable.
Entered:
6,55,04
